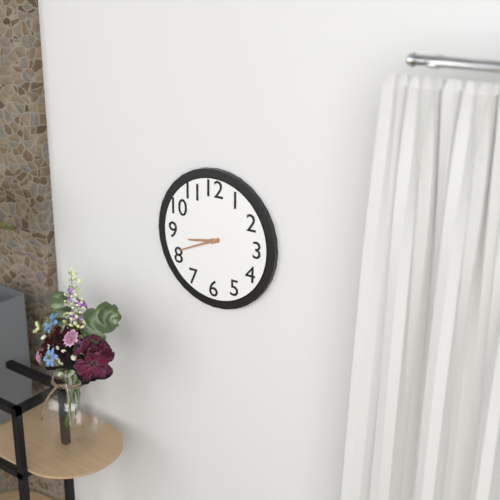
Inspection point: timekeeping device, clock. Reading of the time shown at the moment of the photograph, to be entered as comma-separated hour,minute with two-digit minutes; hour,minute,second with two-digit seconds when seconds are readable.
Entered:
8,41
